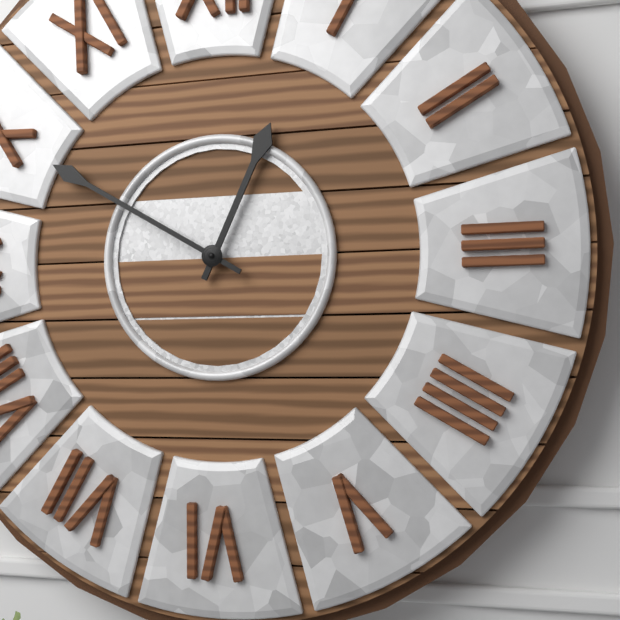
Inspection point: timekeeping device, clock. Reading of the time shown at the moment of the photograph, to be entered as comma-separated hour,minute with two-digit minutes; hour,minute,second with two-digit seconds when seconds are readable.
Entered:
12,50
